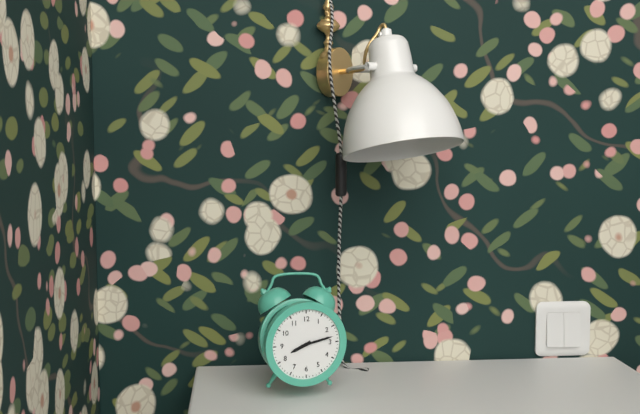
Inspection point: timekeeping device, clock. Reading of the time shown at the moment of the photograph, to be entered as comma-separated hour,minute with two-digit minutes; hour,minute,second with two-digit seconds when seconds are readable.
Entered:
8,13
